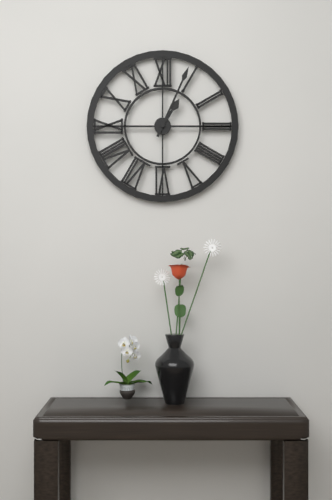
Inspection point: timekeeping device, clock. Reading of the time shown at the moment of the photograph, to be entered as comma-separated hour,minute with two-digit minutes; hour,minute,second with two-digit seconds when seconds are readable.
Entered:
1,04
